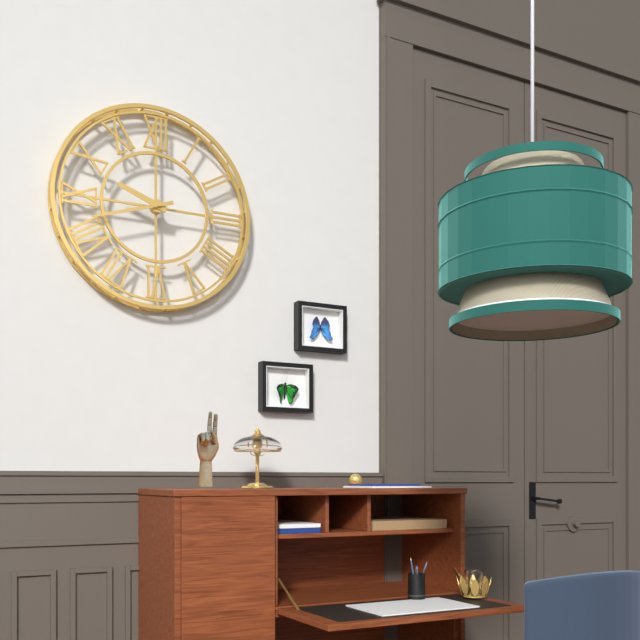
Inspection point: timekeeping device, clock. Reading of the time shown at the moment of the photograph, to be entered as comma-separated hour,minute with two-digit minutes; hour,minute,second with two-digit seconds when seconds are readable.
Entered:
9,42
